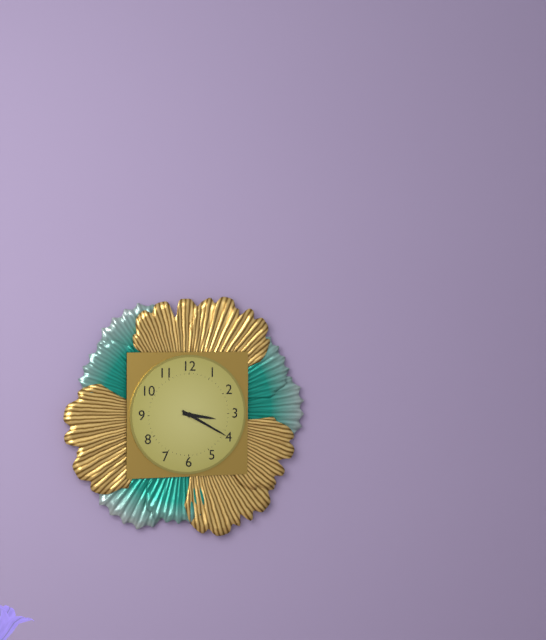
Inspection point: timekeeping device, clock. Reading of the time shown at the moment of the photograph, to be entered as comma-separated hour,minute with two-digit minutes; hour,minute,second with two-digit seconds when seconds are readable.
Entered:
3,20
